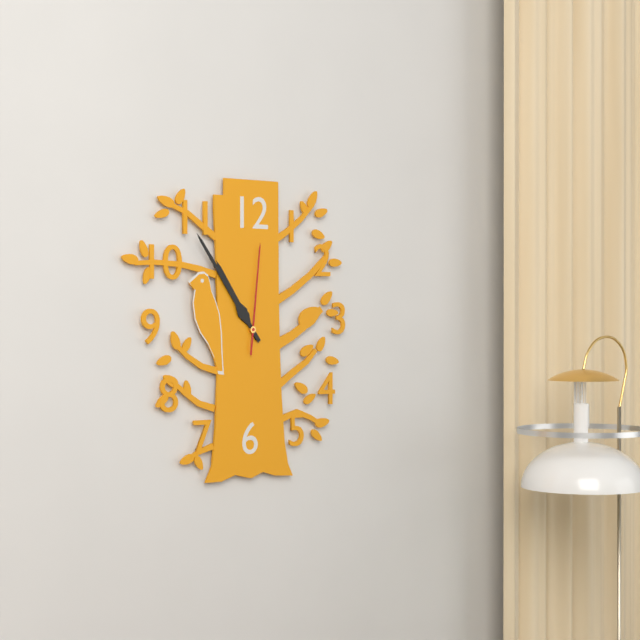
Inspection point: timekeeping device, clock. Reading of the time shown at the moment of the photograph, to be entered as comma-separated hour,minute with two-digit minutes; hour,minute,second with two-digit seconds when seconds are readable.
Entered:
10,54,01
